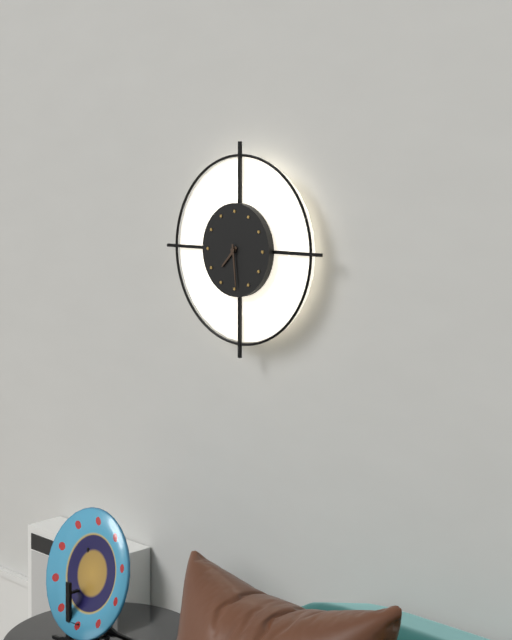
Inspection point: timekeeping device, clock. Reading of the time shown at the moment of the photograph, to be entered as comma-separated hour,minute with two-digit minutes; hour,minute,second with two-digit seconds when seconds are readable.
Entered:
7,29
